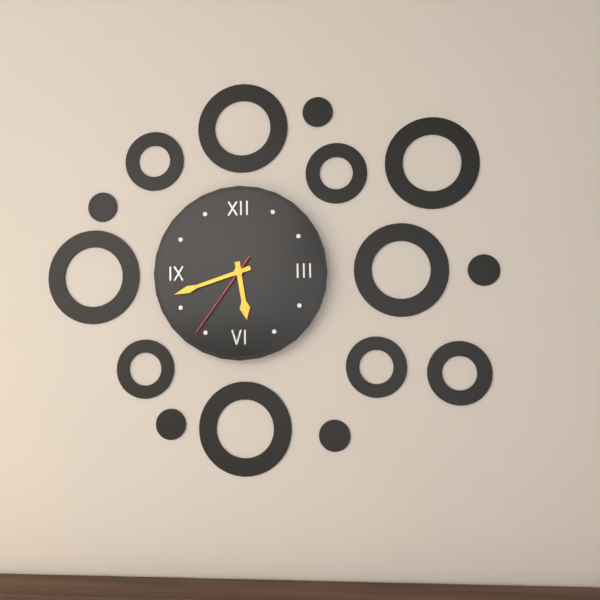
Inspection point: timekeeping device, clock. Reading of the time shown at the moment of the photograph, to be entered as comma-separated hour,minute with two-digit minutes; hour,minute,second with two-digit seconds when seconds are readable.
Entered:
5,42,36
